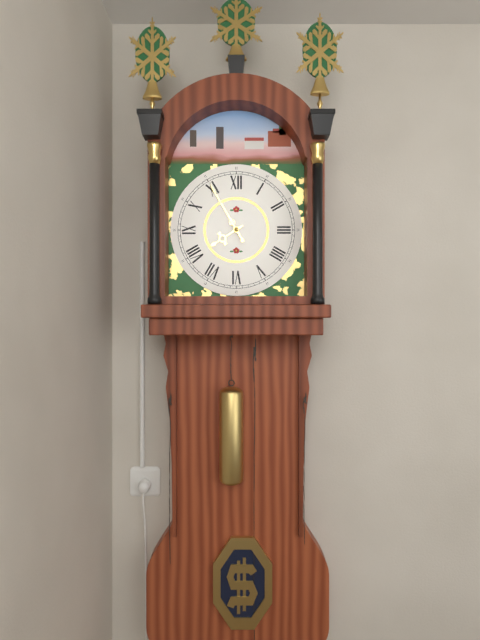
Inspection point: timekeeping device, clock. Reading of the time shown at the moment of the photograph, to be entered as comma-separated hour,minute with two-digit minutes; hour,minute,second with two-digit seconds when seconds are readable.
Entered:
7,55
